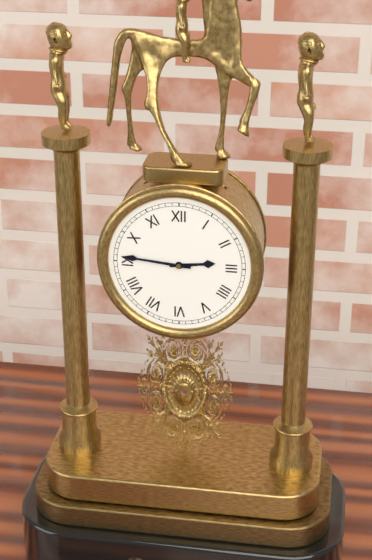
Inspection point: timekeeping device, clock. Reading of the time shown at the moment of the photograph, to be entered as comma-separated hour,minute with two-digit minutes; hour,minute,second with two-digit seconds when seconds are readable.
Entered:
2,46
